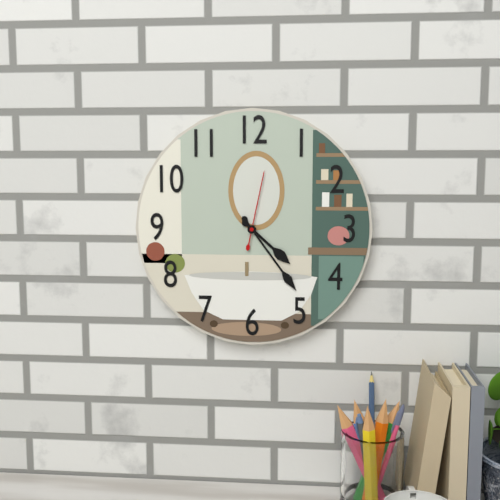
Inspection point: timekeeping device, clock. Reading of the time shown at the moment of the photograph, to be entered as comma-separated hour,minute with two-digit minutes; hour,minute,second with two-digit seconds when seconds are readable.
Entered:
4,24,02
